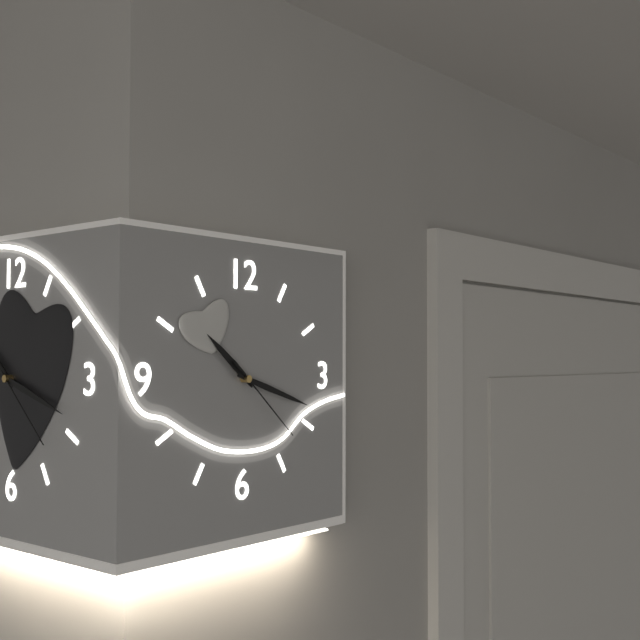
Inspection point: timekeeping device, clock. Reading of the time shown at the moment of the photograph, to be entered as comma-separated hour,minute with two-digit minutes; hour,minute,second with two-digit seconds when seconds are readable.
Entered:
10,18,22
